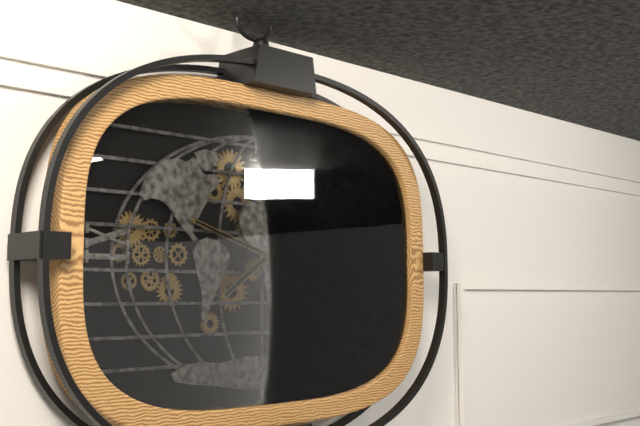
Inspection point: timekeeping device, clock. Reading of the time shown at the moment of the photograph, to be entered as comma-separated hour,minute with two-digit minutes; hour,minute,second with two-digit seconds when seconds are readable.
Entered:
7,48
